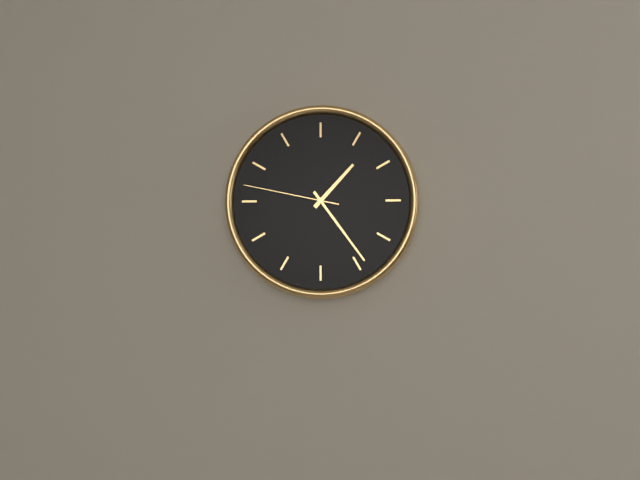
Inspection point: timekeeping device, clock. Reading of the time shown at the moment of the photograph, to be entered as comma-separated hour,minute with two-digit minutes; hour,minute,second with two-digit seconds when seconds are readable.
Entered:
1,24,47
